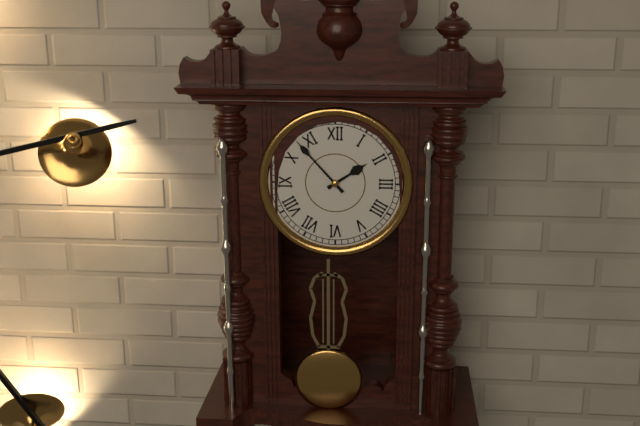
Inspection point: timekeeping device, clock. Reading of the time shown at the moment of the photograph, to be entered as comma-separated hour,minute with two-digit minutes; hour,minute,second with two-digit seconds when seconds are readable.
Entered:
1,53
